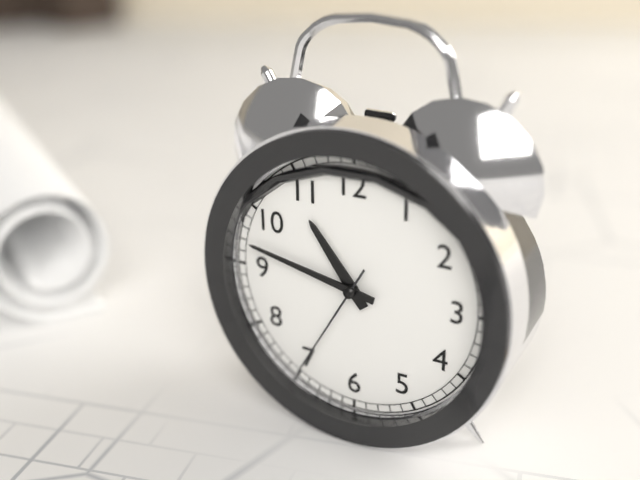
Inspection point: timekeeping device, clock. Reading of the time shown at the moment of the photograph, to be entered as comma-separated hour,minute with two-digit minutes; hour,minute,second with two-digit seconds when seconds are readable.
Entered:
10,47,35
